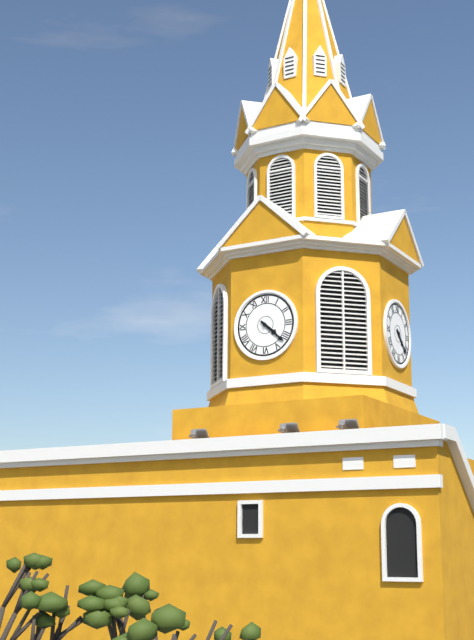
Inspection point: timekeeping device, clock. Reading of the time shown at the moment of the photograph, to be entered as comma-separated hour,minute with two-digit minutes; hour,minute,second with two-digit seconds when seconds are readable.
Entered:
4,22
